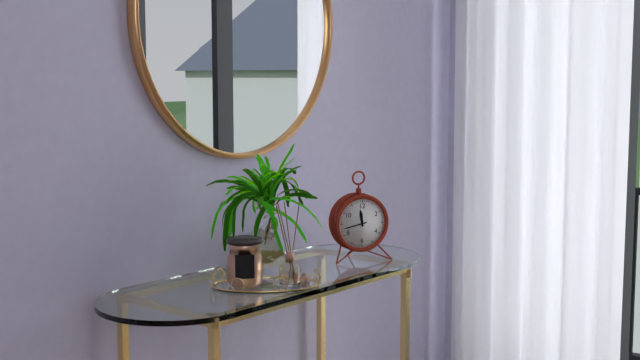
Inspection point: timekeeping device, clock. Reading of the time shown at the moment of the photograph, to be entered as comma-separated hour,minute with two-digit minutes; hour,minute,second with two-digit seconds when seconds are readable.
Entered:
11,43
